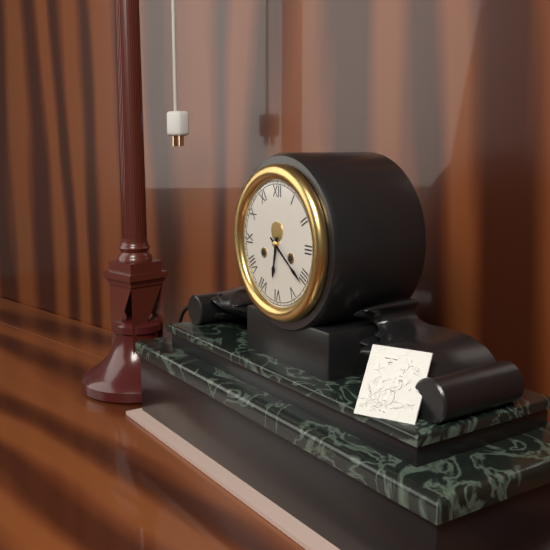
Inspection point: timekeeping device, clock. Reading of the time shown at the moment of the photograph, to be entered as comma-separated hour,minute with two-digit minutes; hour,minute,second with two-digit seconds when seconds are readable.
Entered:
6,21
